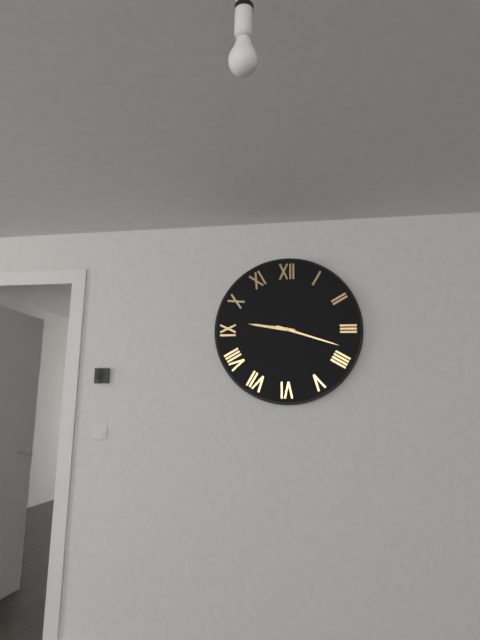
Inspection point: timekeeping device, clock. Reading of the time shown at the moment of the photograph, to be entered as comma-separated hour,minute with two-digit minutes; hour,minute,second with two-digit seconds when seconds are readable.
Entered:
9,18
